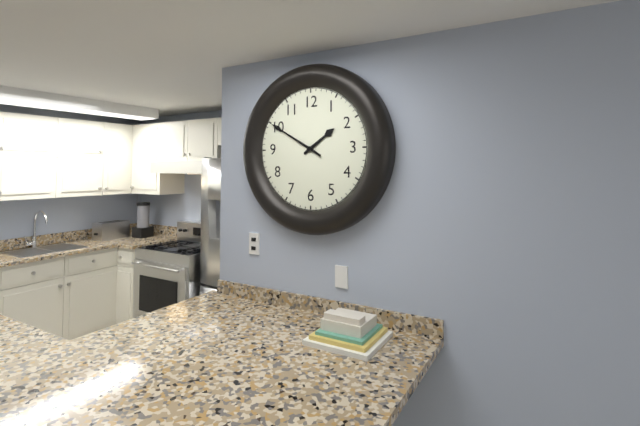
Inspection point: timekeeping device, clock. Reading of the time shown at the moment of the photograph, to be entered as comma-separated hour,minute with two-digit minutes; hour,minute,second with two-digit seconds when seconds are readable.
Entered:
1,50
